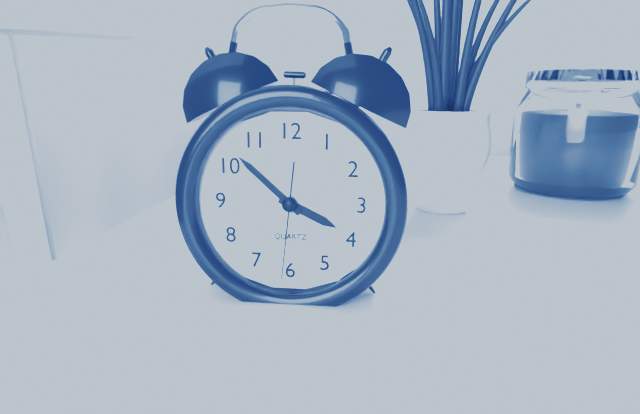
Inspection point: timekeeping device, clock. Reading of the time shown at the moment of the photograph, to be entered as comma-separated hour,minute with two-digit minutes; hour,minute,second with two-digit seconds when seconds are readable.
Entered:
3,52,31
